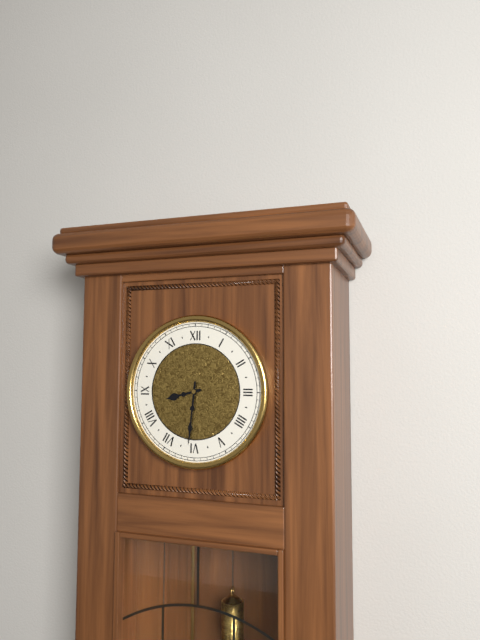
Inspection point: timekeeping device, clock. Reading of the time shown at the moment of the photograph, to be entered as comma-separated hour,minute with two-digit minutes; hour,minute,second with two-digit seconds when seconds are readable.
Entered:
8,31
